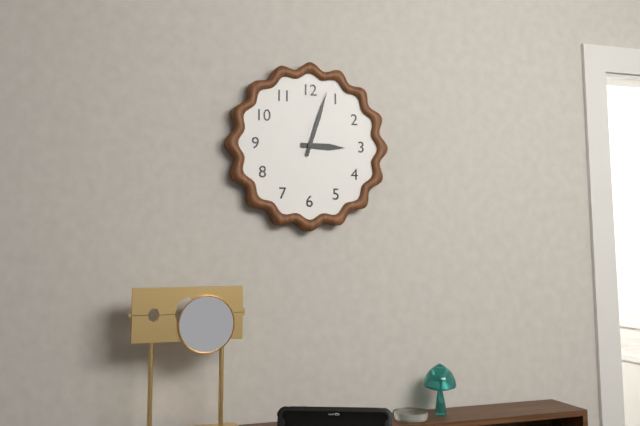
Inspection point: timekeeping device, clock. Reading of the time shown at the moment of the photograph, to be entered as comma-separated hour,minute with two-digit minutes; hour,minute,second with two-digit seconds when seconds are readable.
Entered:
3,03
